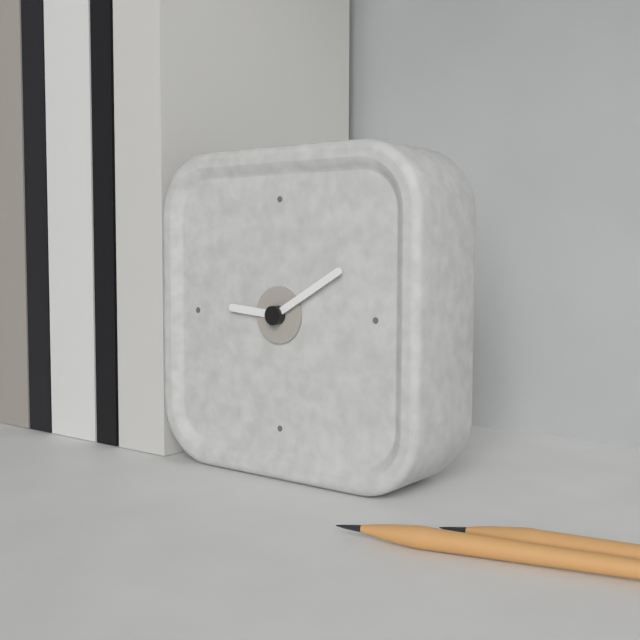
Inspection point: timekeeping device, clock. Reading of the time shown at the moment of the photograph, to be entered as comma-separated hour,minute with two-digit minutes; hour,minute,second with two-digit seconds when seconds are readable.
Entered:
9,10
